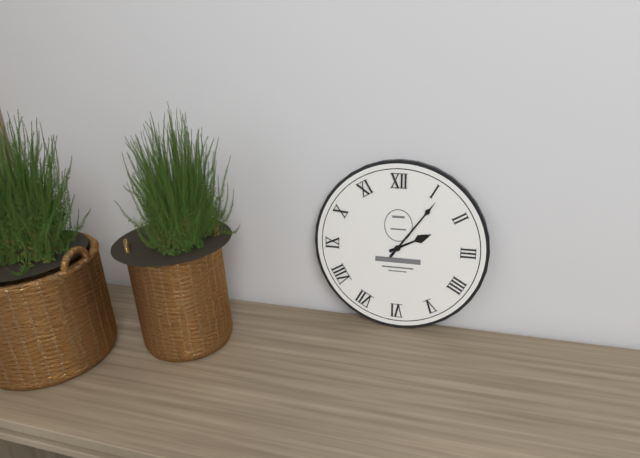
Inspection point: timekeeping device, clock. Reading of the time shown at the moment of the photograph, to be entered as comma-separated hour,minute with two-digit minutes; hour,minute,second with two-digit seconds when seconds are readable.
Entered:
2,06
